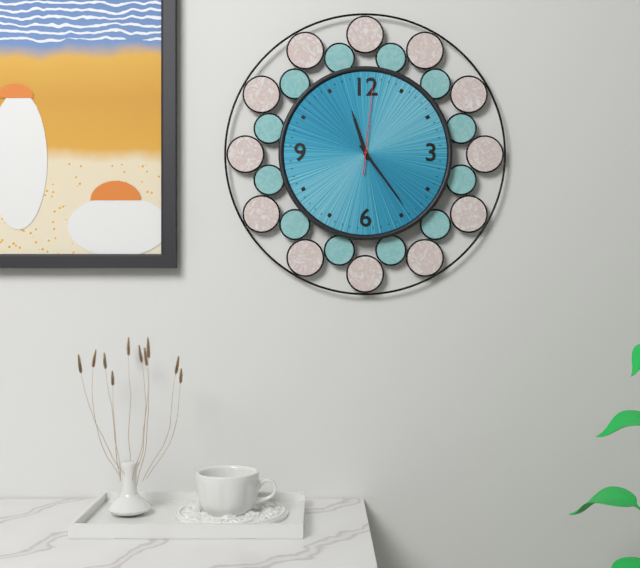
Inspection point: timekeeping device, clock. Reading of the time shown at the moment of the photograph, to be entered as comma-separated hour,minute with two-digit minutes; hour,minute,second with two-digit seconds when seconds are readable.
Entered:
11,24,01
